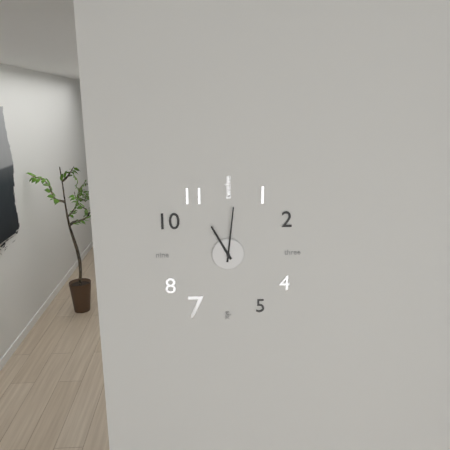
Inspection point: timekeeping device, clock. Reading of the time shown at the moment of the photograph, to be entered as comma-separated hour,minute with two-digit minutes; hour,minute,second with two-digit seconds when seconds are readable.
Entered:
11,01
